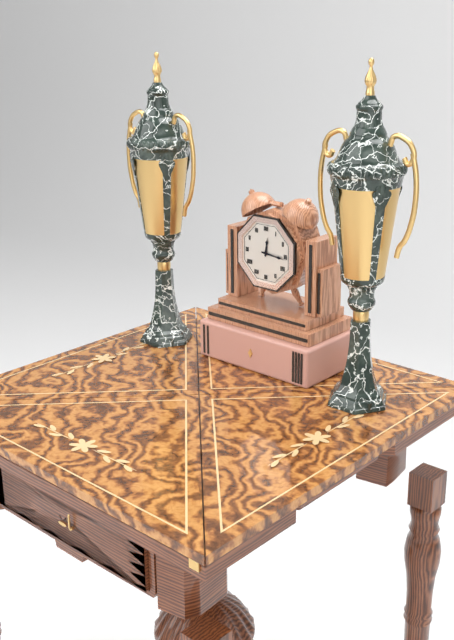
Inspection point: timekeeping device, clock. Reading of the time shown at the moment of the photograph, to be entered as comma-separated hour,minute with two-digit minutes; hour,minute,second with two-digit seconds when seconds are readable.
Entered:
12,16
